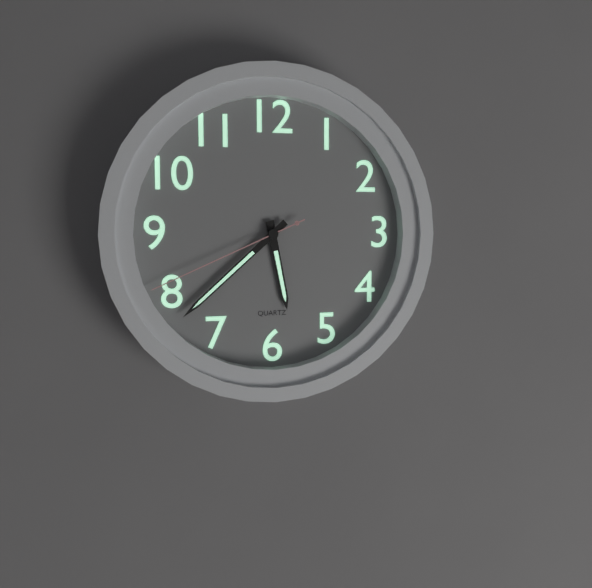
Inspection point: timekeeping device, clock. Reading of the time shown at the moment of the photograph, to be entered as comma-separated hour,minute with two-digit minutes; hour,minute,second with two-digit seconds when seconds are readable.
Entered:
5,38,41
